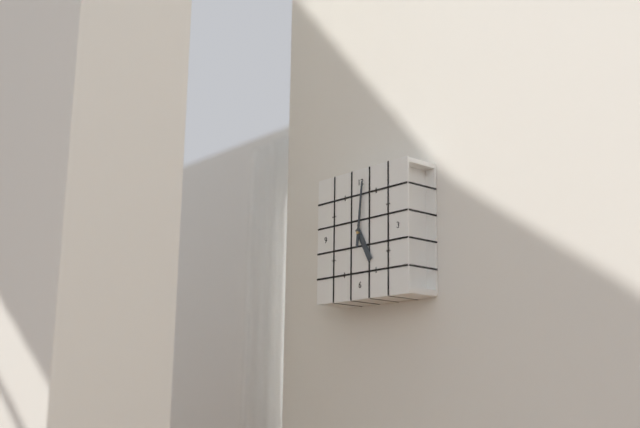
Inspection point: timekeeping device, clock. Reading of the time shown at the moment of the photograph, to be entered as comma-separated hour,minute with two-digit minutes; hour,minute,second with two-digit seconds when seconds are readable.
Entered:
5,01
